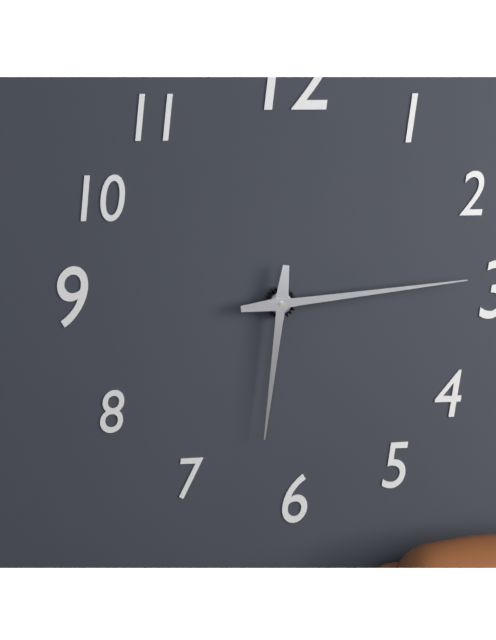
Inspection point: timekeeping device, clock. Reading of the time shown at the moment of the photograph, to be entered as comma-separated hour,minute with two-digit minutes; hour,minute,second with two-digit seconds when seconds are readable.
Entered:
6,14
